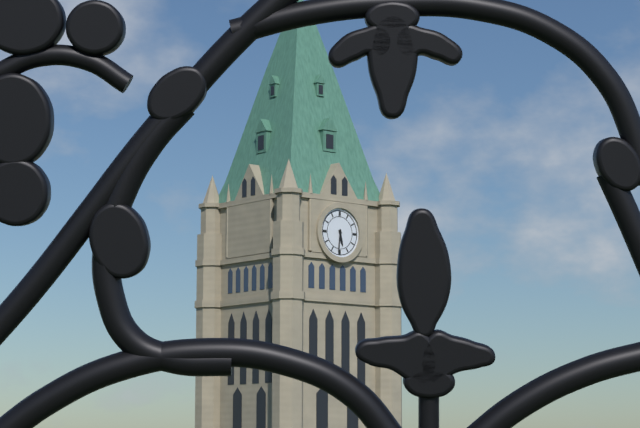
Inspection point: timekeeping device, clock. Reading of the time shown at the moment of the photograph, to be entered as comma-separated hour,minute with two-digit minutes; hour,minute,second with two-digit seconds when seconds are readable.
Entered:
5,31
